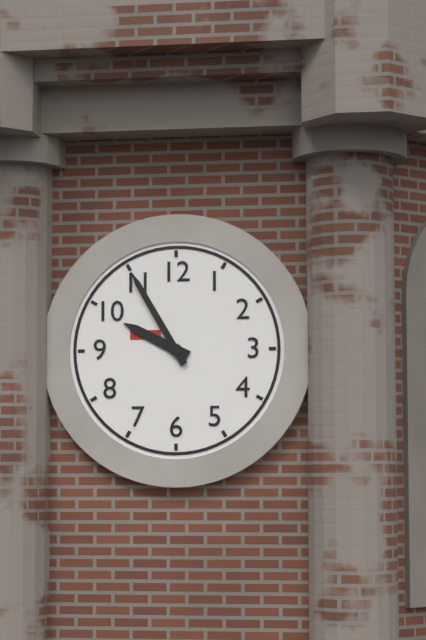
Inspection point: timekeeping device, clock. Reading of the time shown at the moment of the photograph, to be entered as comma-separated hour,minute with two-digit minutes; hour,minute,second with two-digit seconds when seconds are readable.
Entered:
9,55
